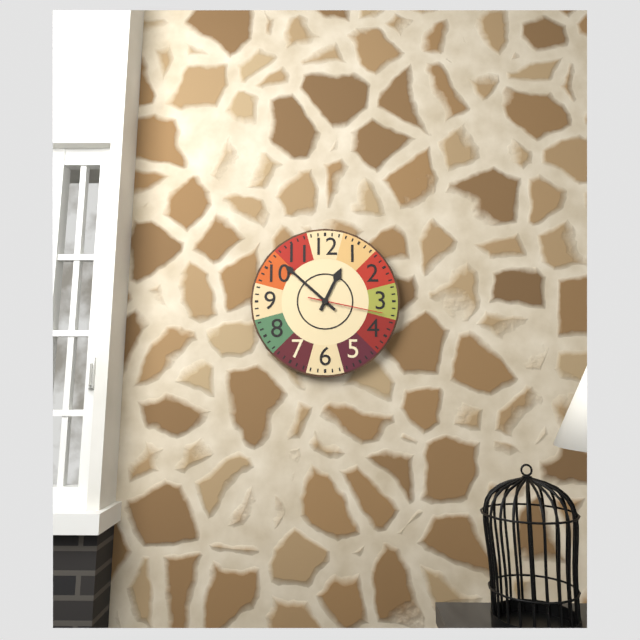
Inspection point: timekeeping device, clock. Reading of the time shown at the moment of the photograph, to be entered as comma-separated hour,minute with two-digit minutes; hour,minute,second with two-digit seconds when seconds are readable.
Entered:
12,52,17
